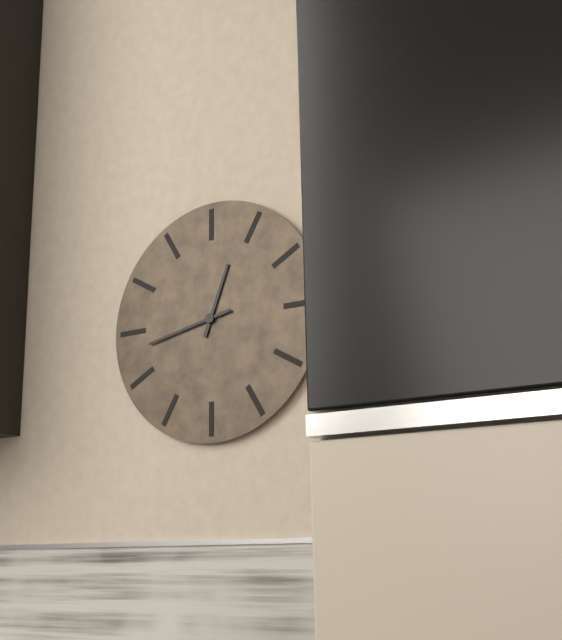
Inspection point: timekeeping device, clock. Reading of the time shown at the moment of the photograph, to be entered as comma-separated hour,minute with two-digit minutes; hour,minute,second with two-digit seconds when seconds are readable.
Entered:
12,43
